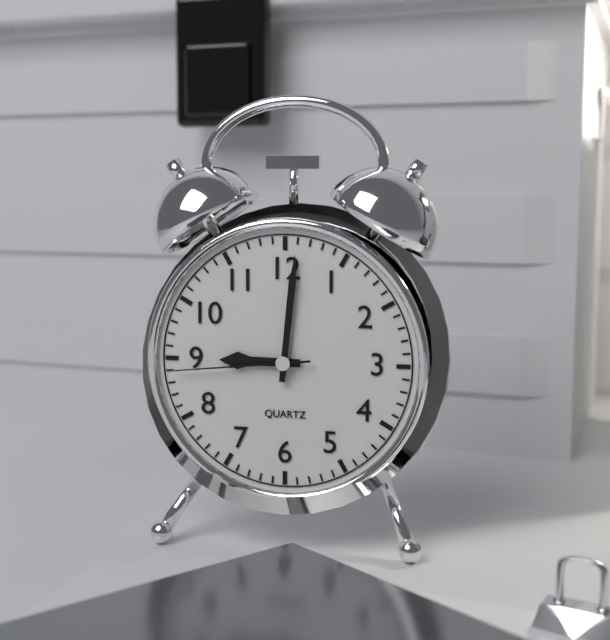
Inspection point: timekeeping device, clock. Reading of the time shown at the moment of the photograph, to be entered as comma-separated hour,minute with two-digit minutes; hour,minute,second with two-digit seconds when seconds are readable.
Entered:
9,01,44
